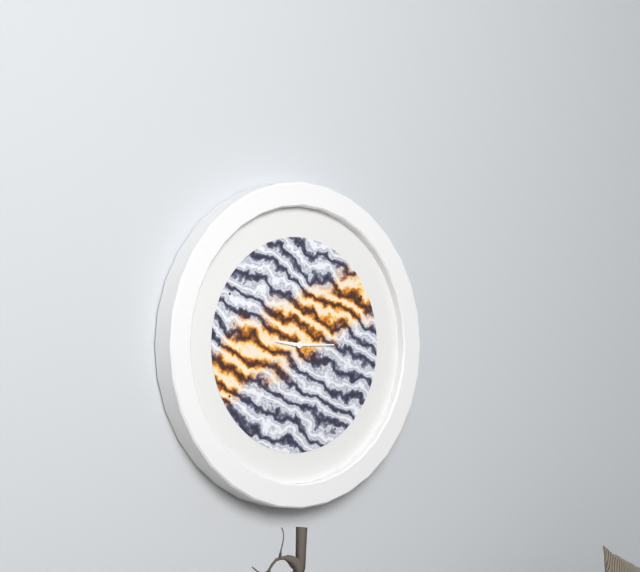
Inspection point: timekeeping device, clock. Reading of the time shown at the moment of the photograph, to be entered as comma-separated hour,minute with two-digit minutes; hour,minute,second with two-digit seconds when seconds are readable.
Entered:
9,15
